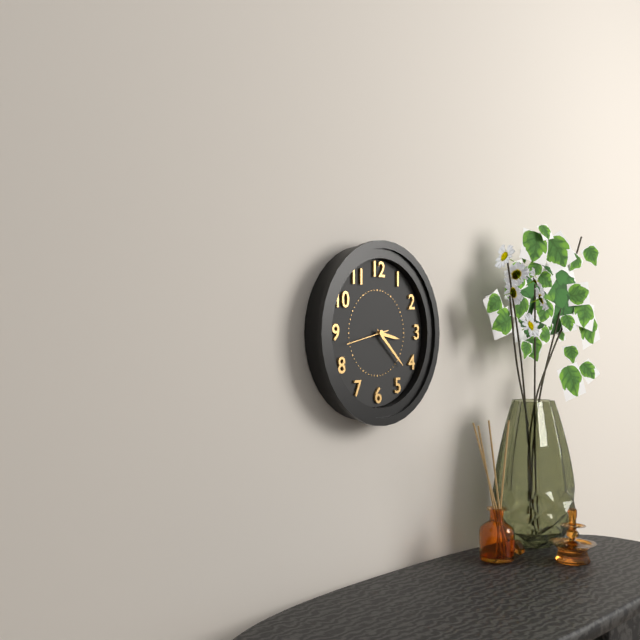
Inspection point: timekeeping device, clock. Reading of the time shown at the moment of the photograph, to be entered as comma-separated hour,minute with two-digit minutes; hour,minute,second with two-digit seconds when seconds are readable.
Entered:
3,22
